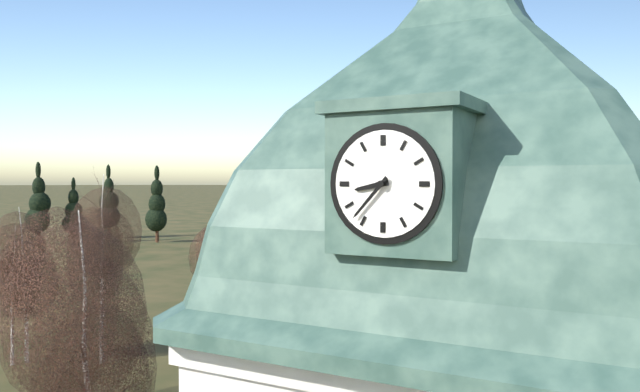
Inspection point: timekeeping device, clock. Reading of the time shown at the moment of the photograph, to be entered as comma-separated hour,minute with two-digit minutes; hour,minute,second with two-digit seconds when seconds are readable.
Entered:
8,37
